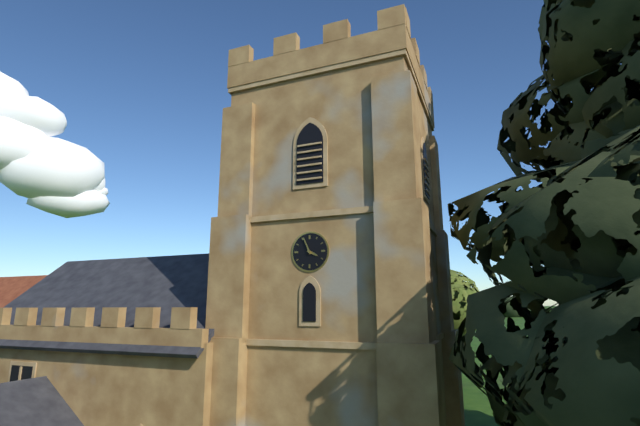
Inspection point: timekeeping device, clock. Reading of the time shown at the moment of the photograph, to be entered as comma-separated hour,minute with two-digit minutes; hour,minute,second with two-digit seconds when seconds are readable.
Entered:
3,56
